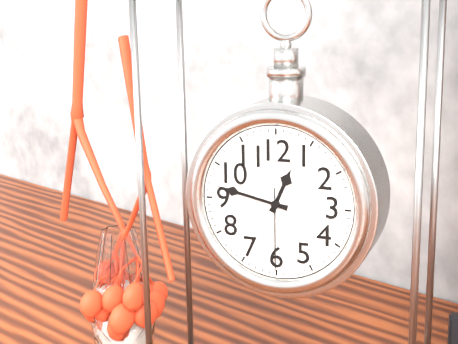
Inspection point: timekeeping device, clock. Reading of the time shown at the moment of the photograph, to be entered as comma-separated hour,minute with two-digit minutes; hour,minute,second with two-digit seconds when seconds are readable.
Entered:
12,47,30
